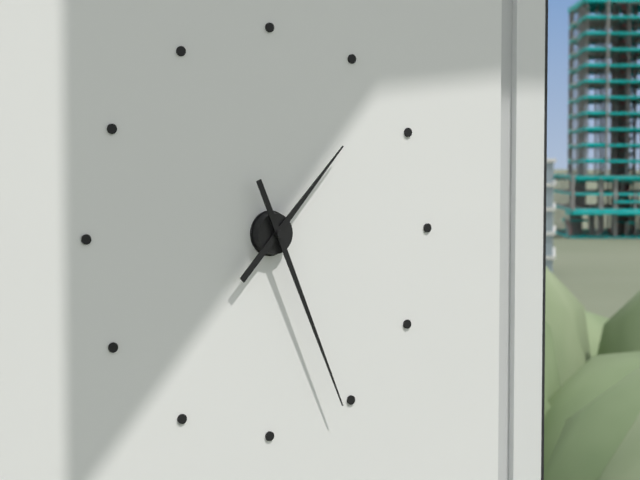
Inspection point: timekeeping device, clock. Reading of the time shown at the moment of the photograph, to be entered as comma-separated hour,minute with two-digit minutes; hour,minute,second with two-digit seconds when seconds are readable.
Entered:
1,26
